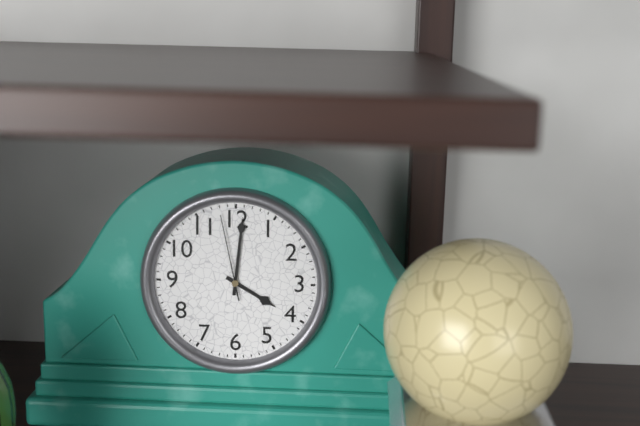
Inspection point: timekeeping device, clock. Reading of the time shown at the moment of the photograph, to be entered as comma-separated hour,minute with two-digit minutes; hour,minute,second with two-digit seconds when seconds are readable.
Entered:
4,01,58
